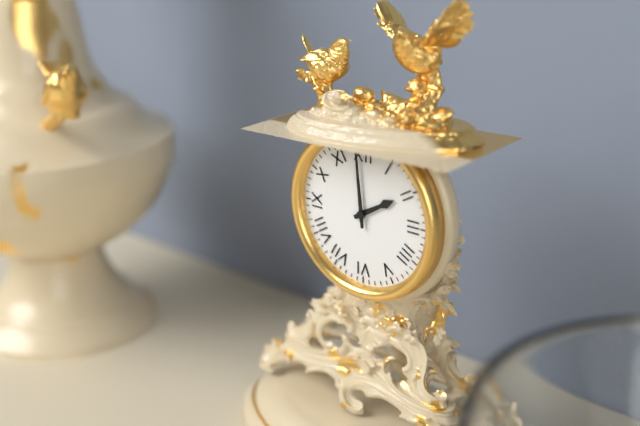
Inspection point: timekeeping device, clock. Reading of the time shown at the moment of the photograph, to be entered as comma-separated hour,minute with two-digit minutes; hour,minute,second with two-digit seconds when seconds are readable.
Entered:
1,59
